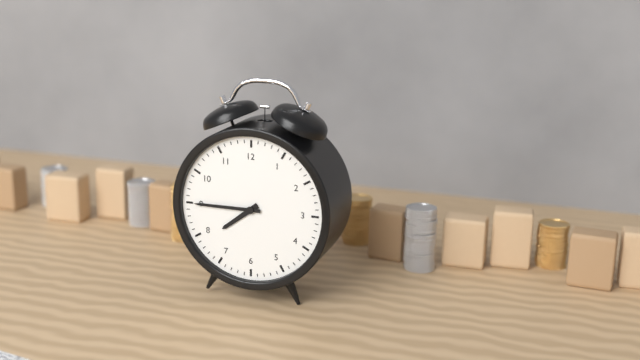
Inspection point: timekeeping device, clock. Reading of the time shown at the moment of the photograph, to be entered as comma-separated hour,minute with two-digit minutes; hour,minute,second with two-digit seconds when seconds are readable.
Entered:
7,45
